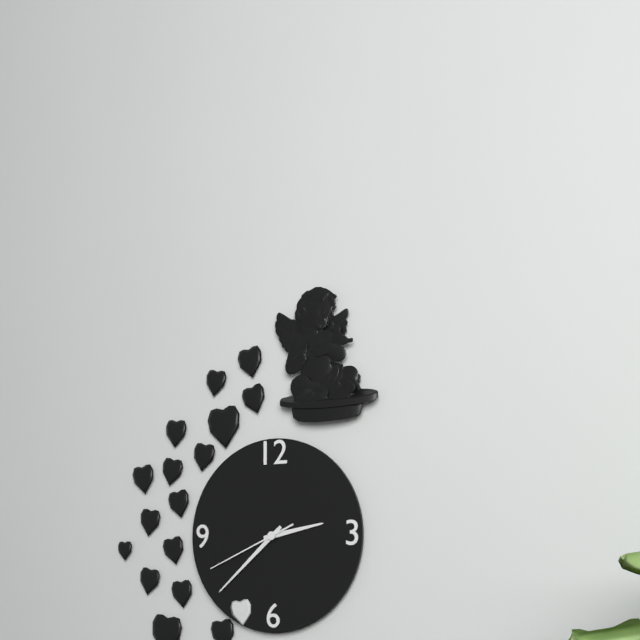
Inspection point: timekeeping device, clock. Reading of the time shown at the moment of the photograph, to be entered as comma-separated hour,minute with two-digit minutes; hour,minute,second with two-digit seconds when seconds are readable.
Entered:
2,38,41
